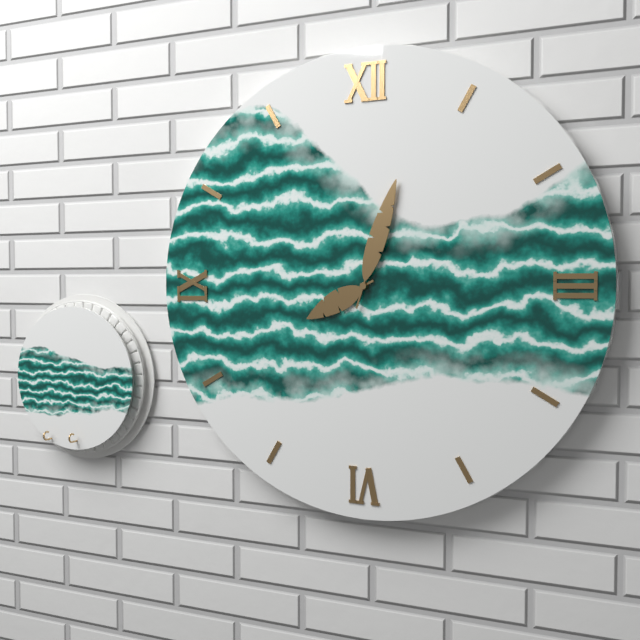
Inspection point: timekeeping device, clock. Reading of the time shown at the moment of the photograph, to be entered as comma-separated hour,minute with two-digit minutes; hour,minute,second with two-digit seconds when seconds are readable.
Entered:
8,03
